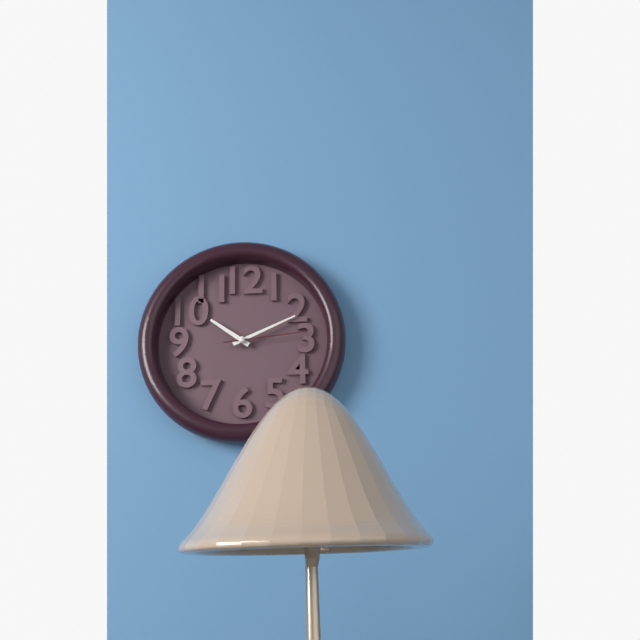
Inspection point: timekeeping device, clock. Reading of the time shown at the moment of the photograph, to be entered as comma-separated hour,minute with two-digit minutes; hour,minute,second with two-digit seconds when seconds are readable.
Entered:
10,11,14
